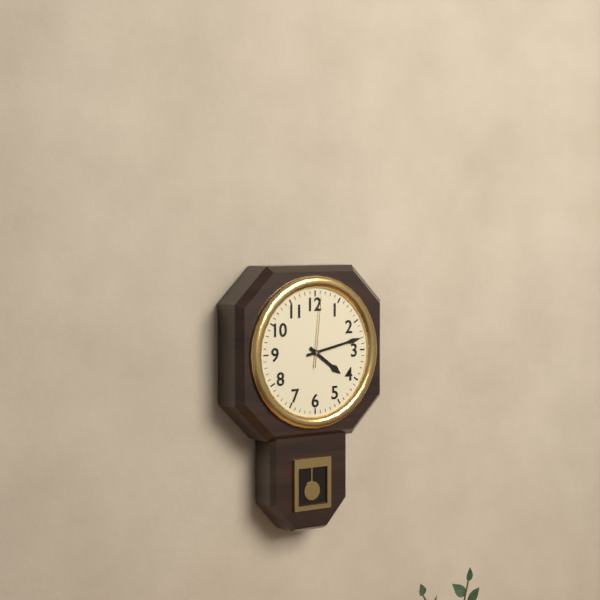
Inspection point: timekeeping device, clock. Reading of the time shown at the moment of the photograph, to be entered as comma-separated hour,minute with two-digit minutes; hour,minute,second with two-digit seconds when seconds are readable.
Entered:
4,13,01
